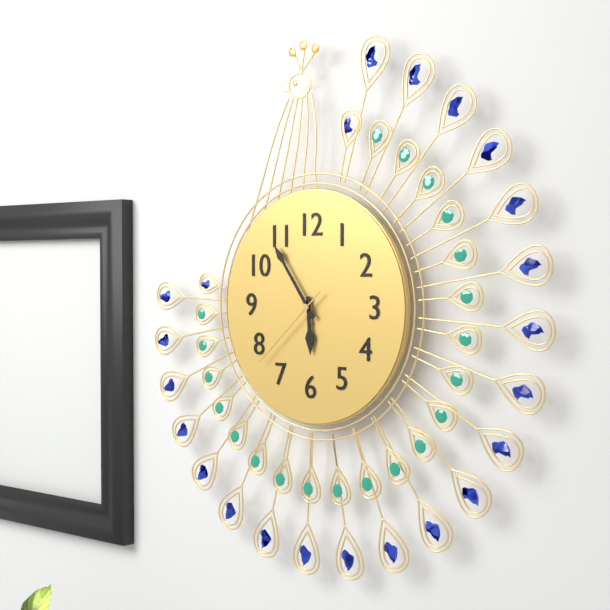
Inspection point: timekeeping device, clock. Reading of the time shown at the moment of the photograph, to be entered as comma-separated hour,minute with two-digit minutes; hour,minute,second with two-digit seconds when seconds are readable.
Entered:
5,54,38
